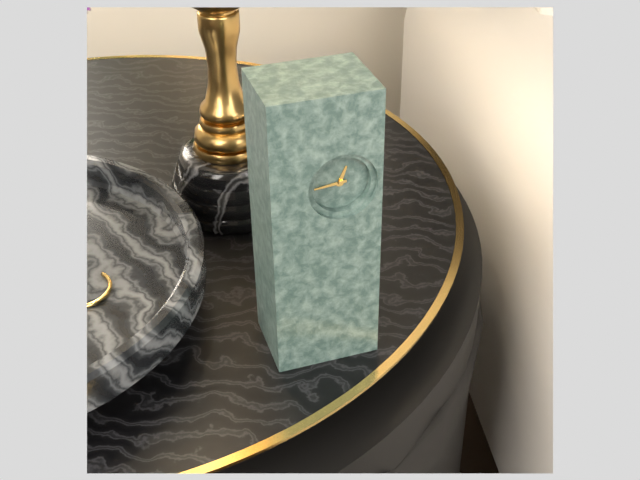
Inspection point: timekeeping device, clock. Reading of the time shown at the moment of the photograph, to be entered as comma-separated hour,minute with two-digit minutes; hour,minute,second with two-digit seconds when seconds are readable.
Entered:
12,44
